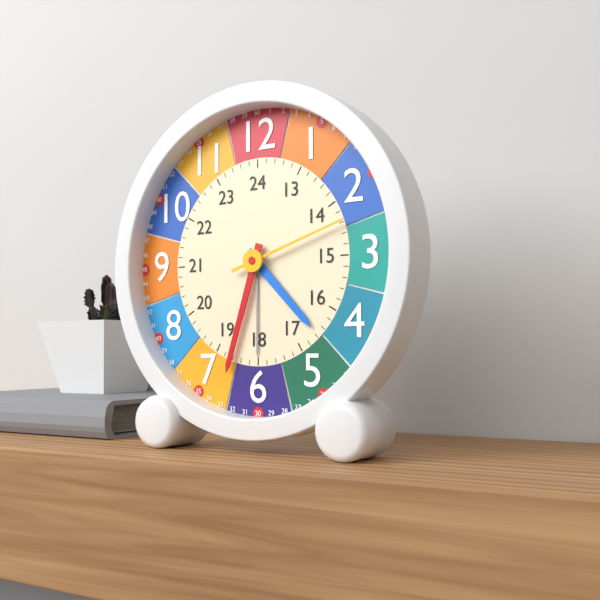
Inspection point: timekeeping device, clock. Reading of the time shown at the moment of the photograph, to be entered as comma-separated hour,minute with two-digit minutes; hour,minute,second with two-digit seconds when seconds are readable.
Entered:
4,33,12
